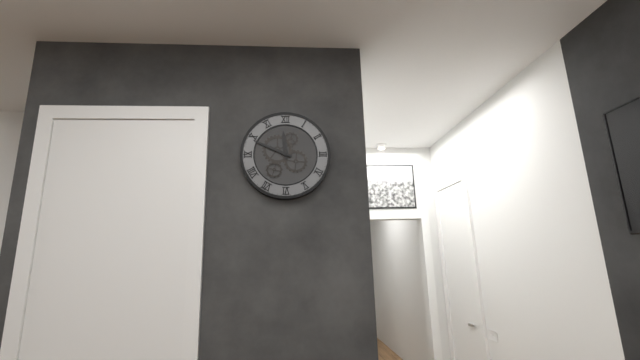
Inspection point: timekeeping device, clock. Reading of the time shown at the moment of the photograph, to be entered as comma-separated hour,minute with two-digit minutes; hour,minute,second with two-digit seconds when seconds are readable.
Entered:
11,49
